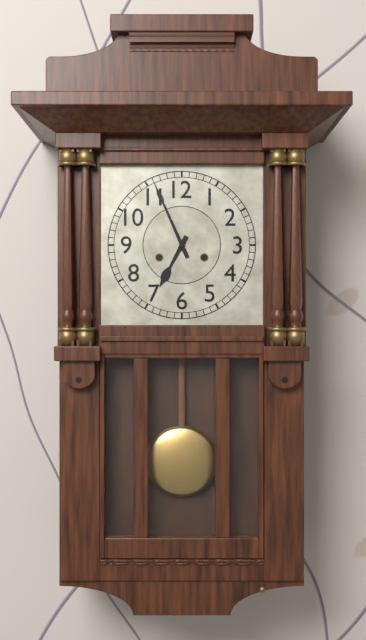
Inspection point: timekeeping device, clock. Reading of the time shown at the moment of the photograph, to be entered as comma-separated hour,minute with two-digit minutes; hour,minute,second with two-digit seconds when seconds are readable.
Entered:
6,56
